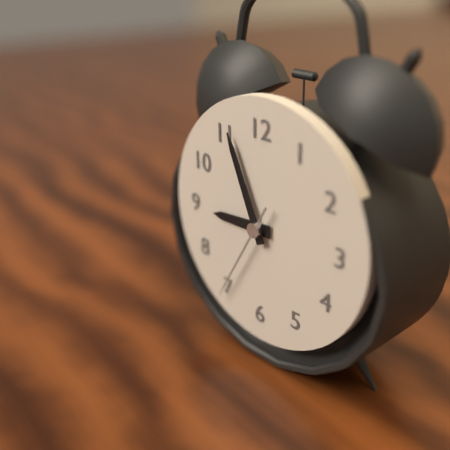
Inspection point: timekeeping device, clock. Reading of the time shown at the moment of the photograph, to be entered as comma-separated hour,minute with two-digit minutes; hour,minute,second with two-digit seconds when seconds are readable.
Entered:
8,56,35
